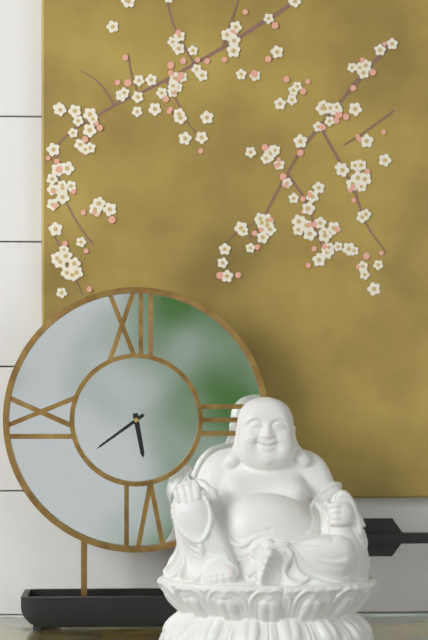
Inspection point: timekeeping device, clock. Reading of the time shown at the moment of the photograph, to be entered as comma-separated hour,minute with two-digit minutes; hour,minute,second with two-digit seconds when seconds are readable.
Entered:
5,39
